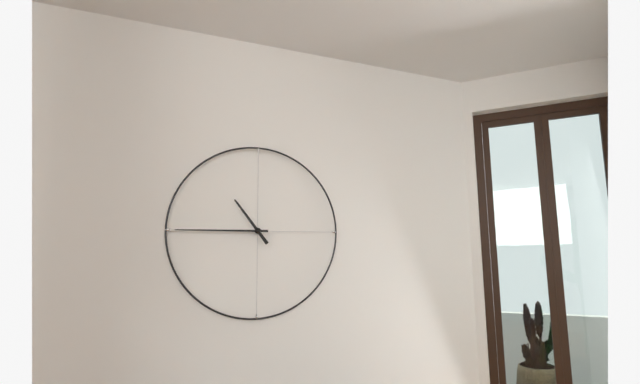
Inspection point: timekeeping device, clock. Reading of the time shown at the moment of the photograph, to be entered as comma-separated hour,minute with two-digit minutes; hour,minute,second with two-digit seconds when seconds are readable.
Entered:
10,45
